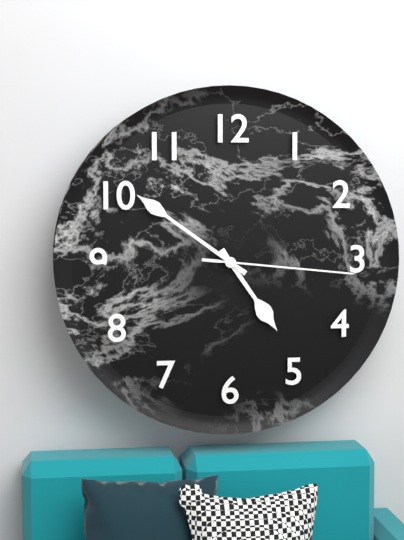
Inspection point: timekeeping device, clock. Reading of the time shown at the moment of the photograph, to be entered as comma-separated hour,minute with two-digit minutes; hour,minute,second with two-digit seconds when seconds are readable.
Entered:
4,51,16
